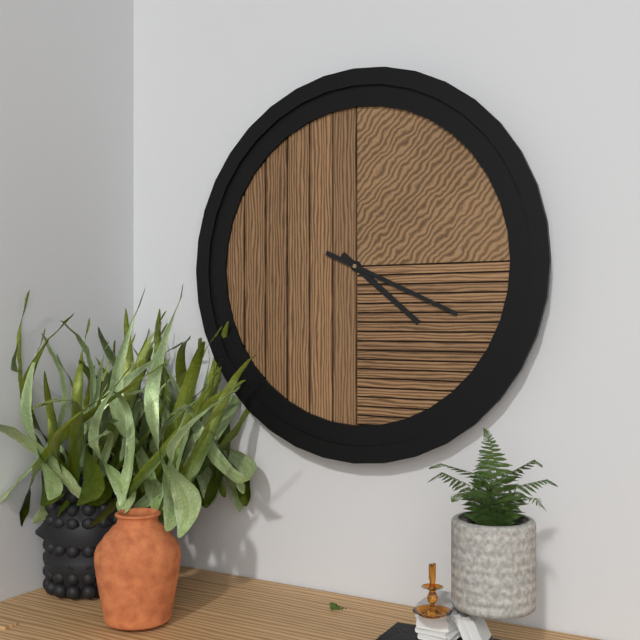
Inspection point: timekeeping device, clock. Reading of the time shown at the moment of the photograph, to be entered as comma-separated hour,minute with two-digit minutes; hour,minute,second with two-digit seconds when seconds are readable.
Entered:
4,19
